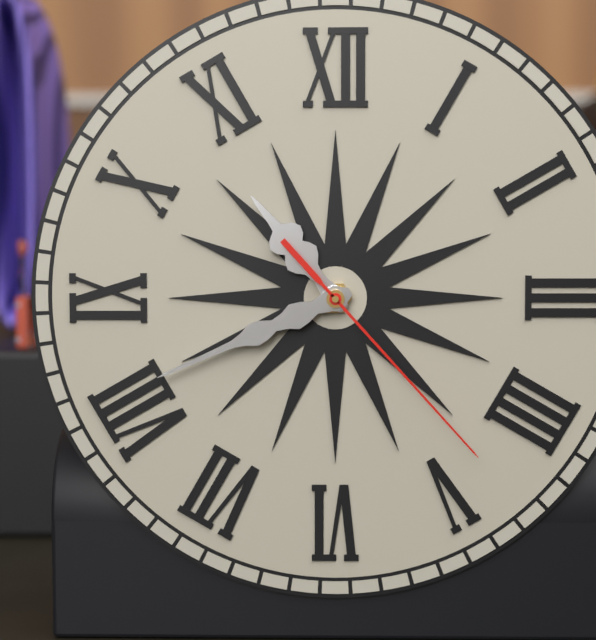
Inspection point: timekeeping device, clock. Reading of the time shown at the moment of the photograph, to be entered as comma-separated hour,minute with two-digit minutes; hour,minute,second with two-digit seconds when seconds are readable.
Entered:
10,41,23
